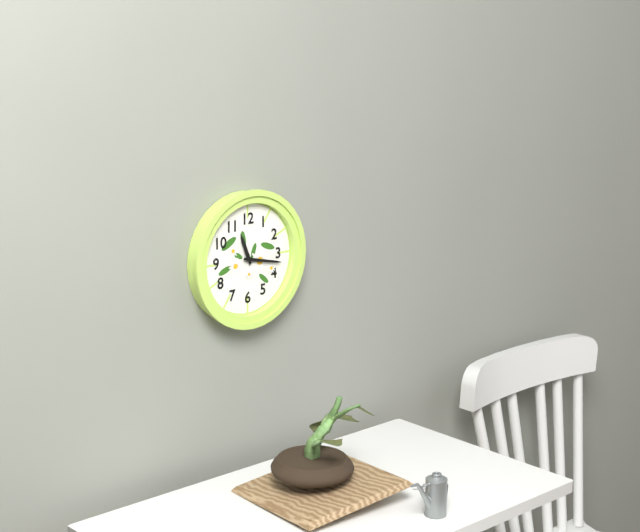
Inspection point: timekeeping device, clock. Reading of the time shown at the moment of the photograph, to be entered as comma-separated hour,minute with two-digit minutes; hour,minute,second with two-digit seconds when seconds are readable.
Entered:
11,17
